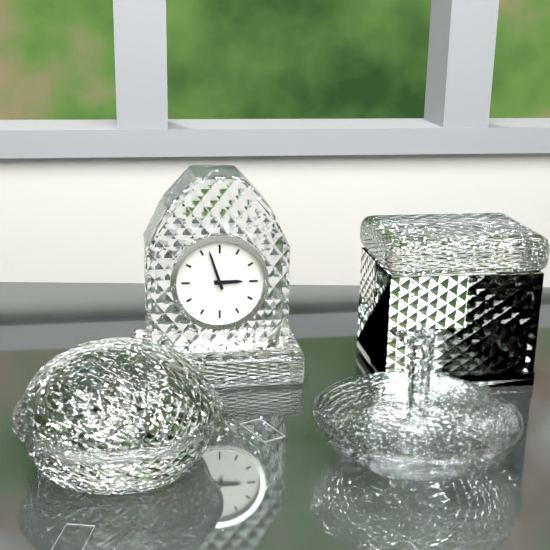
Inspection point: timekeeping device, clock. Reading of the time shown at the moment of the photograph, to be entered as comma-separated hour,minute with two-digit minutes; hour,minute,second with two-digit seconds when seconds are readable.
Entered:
2,57
